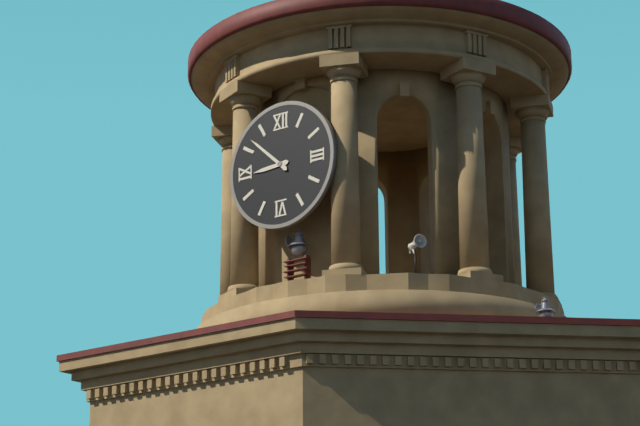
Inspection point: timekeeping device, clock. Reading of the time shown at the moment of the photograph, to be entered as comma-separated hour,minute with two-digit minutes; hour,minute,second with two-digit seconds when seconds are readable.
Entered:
8,52
